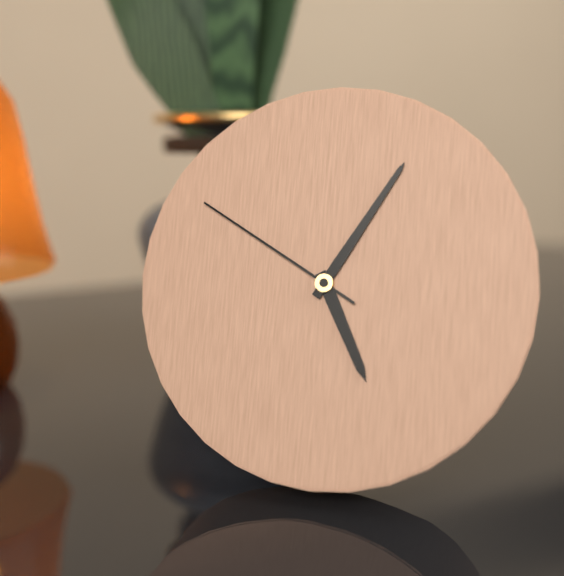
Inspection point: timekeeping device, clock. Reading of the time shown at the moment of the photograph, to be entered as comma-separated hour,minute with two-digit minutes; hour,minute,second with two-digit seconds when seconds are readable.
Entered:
5,05,50
